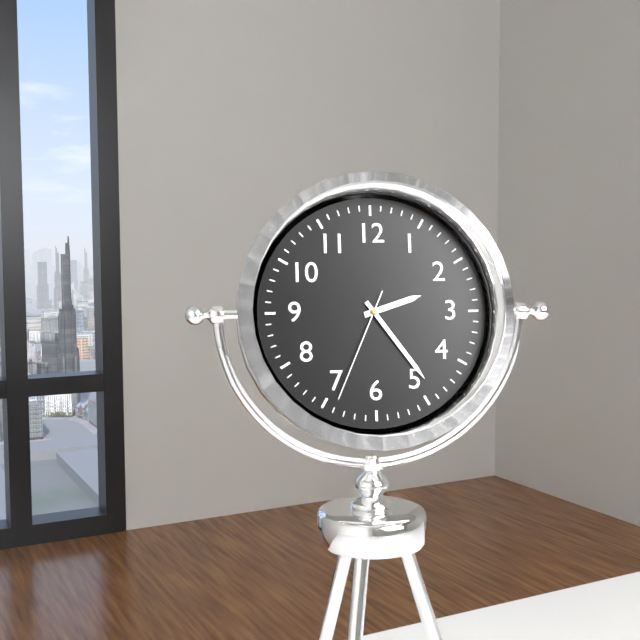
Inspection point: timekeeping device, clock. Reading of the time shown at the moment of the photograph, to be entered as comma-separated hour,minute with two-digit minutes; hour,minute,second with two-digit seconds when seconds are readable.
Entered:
2,24,34
